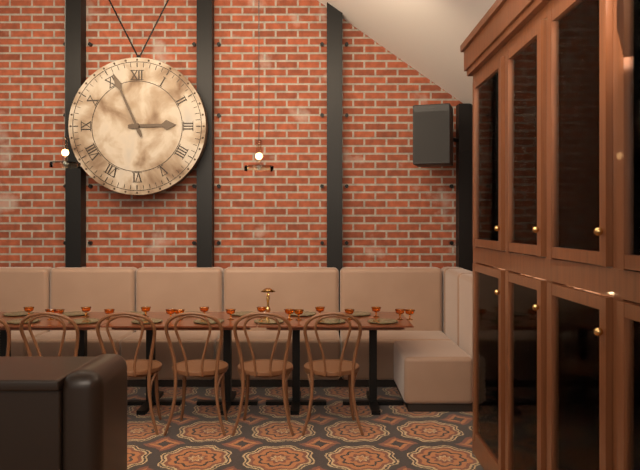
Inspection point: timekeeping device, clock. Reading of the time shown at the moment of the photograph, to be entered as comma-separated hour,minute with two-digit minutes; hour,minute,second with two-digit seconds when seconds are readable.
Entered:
2,56
